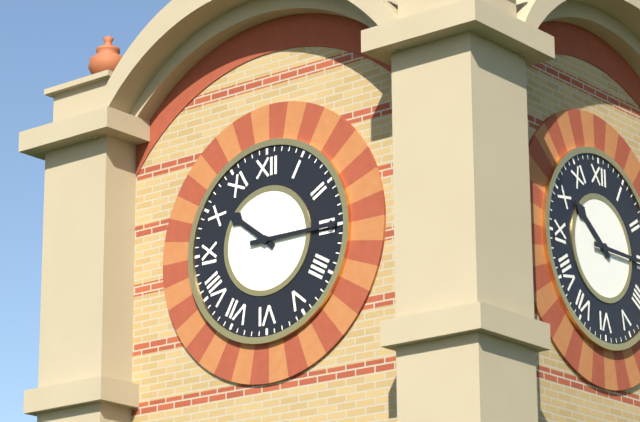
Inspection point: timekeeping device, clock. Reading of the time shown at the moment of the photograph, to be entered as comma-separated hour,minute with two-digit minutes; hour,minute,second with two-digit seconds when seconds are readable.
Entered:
10,15
